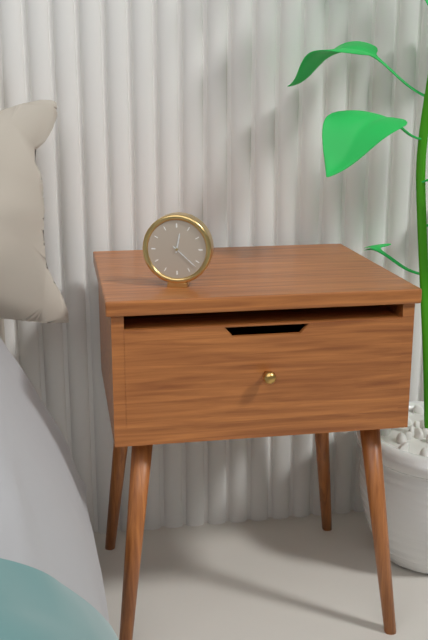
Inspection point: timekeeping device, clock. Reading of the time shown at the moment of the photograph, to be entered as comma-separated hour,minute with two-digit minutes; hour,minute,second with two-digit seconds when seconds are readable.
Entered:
12,22
